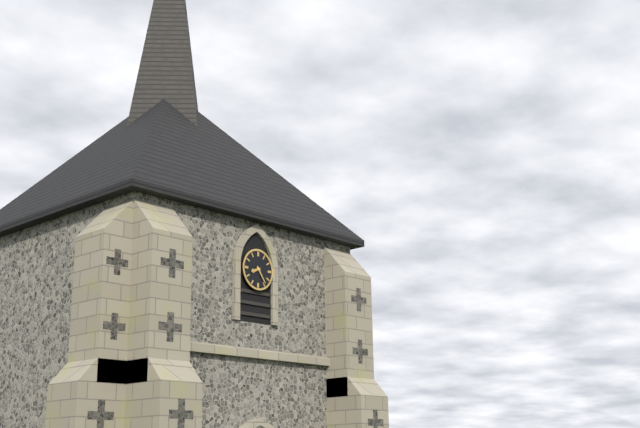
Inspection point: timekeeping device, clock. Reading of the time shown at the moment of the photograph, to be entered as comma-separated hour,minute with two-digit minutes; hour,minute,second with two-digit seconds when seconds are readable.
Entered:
8,24
